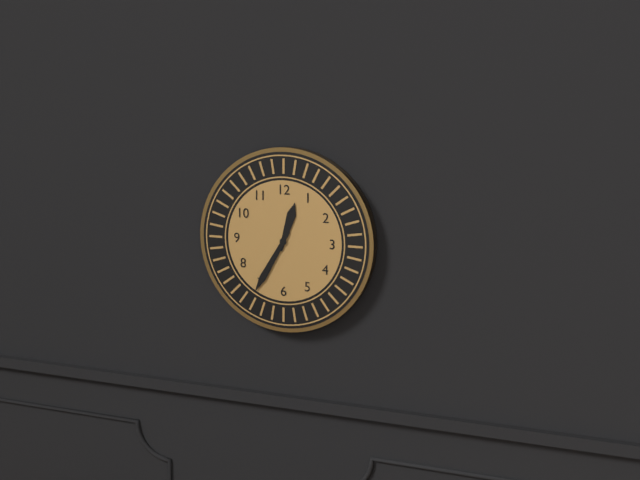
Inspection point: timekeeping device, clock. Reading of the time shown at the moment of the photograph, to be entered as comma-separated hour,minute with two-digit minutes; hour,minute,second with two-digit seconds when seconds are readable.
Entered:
12,35
